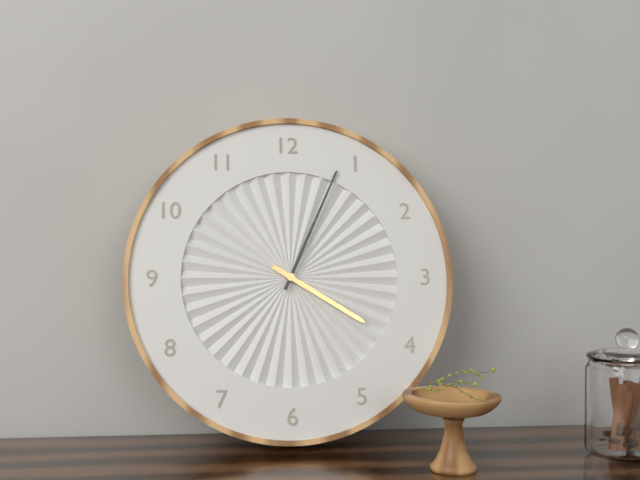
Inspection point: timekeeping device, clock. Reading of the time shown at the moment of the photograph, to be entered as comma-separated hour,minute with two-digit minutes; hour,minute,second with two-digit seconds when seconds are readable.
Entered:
4,04
